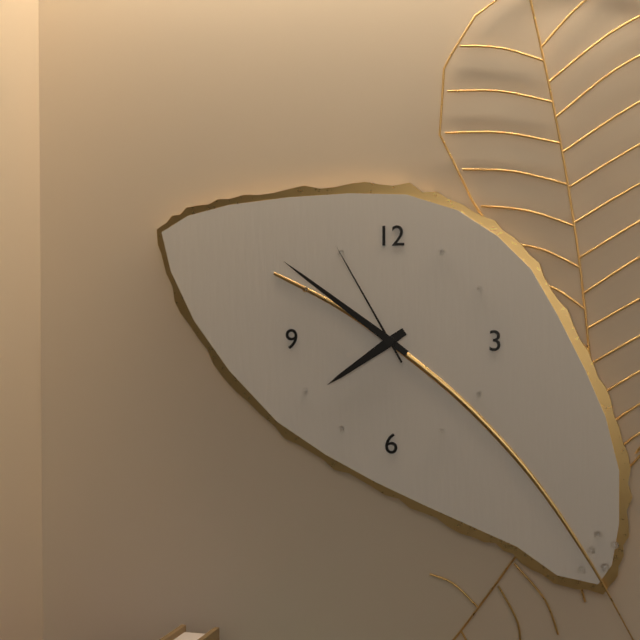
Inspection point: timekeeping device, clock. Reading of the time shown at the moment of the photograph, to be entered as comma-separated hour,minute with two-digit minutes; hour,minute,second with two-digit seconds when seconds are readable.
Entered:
7,51,55
